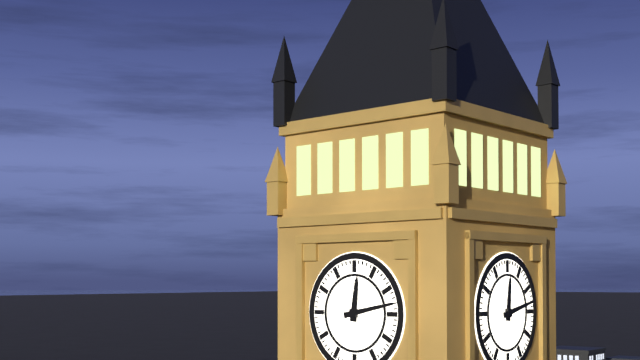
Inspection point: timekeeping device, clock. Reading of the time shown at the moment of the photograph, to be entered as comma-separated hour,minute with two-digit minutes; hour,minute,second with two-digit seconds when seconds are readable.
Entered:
12,13
